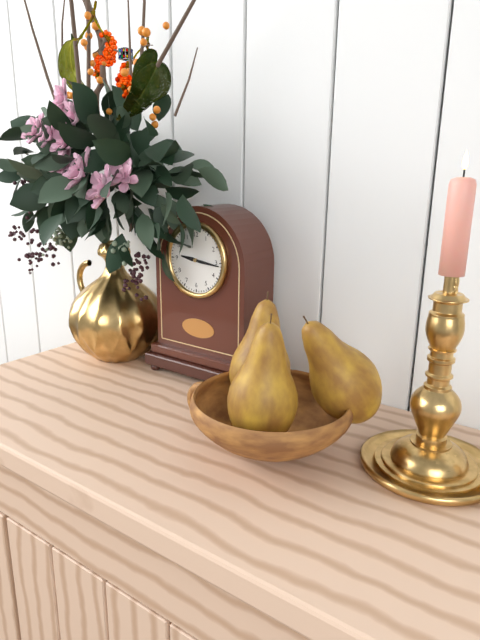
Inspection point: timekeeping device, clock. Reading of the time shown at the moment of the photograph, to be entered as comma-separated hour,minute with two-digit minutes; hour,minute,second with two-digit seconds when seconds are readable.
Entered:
9,16
